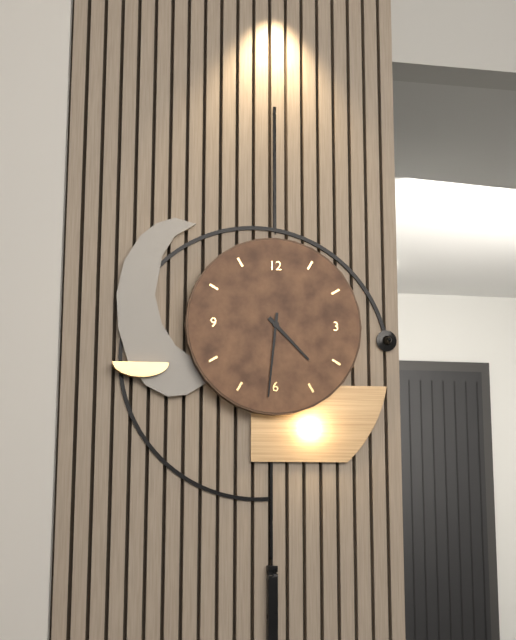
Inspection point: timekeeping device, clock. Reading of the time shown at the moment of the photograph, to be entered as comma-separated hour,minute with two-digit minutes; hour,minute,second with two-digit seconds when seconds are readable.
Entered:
4,31
